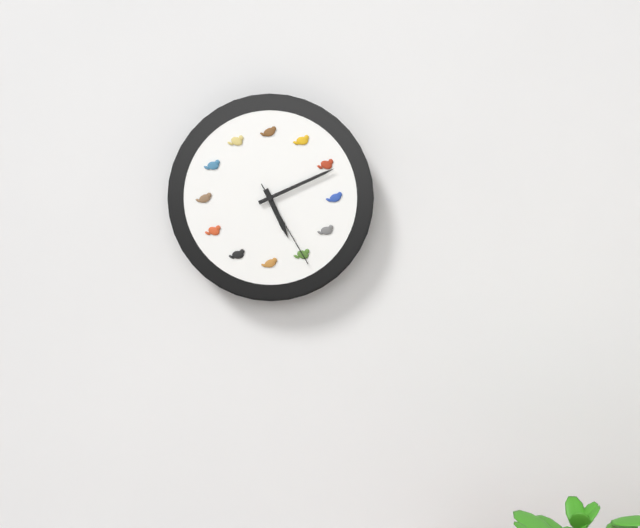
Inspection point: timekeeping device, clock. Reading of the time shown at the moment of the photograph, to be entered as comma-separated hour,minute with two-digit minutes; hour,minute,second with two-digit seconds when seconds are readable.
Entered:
5,11,25
